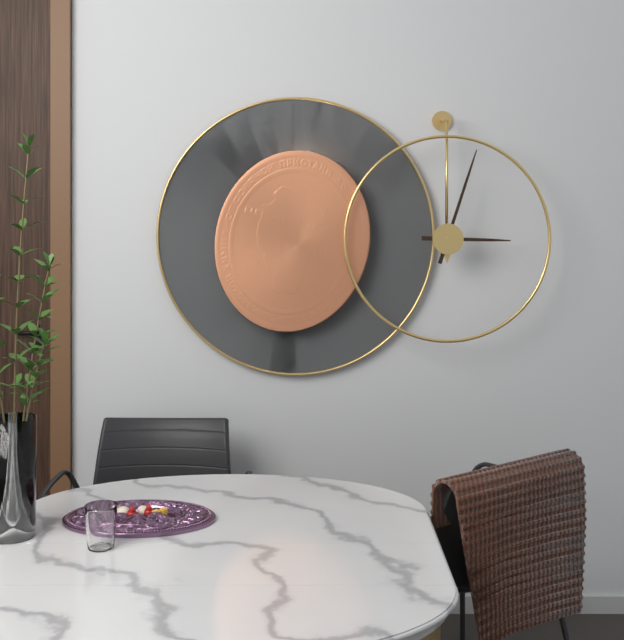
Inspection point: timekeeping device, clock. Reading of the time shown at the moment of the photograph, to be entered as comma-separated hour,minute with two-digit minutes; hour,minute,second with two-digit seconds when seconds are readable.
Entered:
3,03
